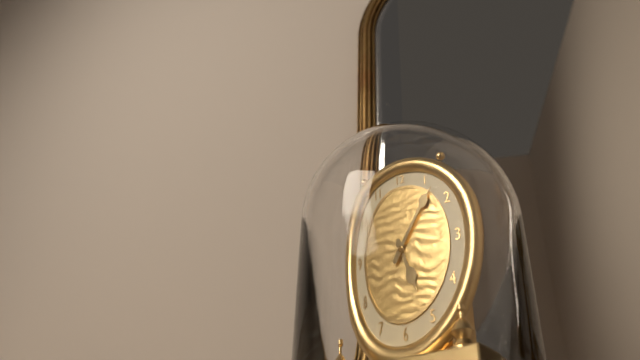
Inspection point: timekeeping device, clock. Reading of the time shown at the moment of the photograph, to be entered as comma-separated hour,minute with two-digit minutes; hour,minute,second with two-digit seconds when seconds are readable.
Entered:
5,07
